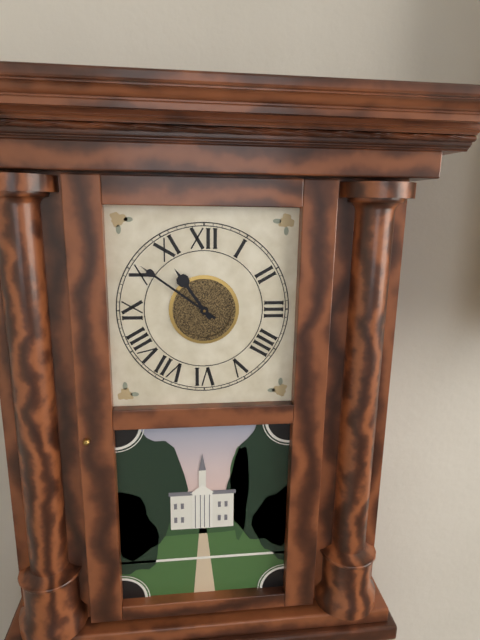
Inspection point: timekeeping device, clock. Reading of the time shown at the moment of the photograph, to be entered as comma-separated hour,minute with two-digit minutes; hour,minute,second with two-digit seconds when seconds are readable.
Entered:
10,51
